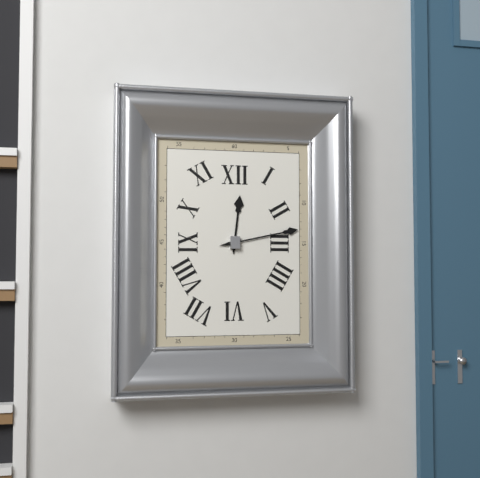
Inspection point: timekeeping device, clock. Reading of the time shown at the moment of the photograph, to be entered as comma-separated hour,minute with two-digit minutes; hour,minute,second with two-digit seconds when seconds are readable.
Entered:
12,13
